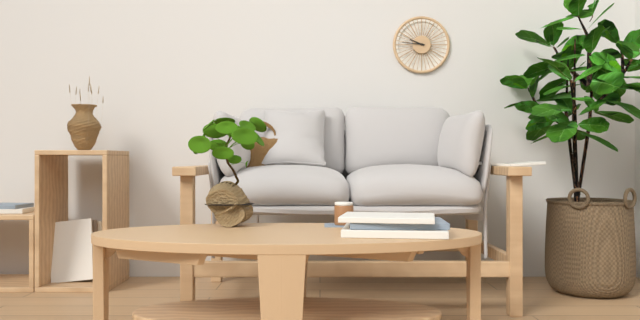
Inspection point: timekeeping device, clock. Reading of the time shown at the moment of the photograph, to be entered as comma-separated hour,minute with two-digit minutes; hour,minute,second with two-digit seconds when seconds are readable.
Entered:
9,46
